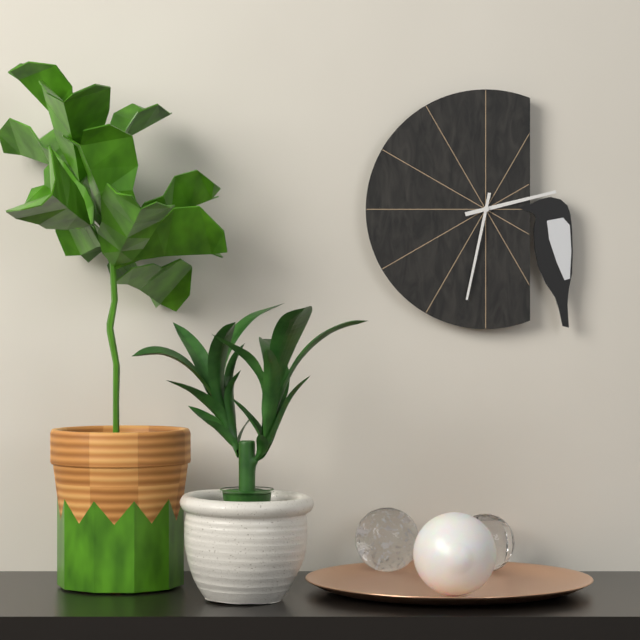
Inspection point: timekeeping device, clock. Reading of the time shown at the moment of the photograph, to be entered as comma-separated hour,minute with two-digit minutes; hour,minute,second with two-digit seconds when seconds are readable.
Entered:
2,32
